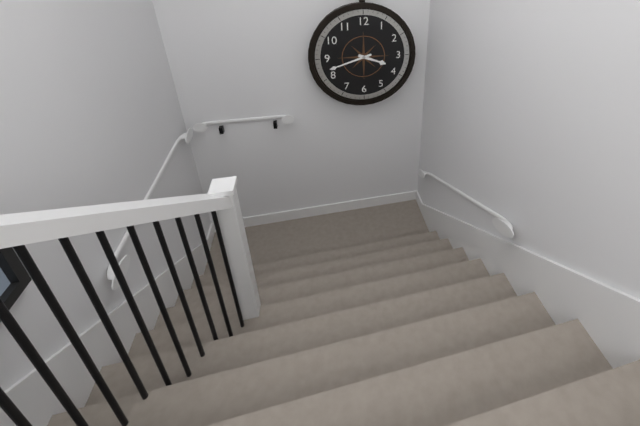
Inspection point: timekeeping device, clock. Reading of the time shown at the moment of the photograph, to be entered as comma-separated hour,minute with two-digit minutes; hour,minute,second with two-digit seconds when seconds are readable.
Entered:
3,42
